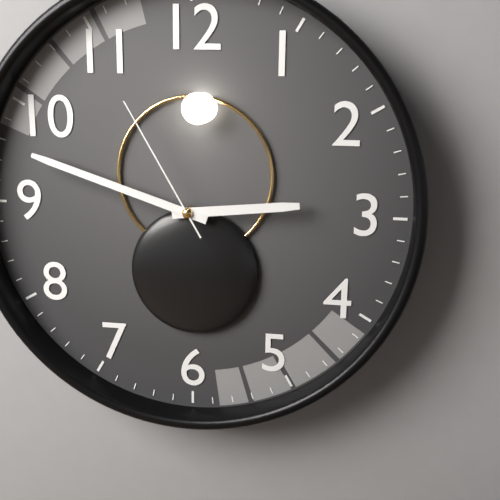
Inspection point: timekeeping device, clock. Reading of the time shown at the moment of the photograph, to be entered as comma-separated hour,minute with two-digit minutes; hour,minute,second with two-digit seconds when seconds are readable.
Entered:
2,48,55
